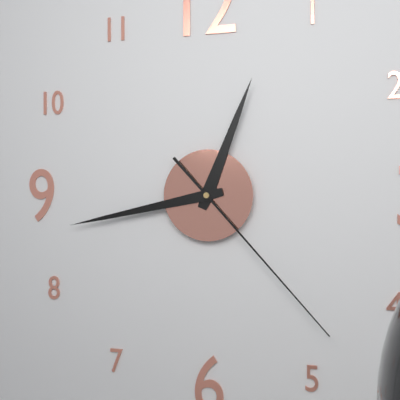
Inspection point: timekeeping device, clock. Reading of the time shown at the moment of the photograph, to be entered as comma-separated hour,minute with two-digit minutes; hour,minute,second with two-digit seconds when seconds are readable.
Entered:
12,43,23
